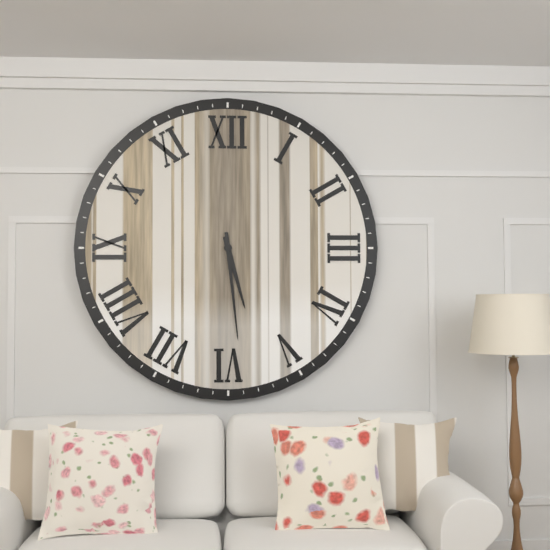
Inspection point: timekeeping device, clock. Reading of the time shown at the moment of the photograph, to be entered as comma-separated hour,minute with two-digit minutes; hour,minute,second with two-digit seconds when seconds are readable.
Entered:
5,29
